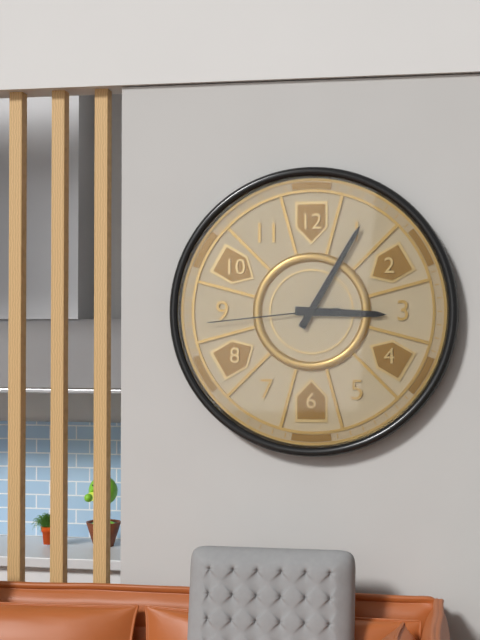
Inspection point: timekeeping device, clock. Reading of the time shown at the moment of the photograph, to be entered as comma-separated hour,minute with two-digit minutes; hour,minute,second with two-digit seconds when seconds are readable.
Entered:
3,05,44
